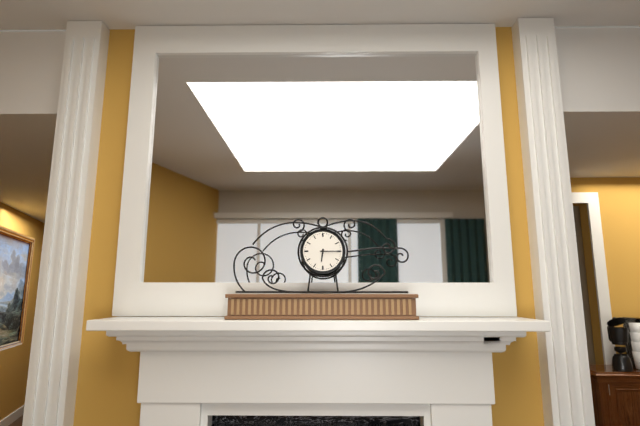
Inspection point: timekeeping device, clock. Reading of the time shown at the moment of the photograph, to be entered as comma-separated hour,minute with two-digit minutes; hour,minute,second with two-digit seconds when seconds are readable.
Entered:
6,15
